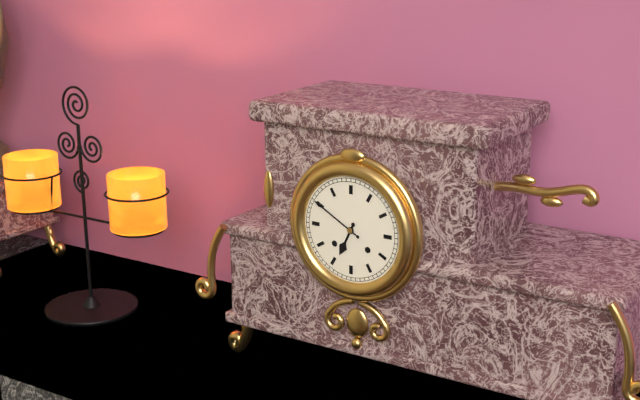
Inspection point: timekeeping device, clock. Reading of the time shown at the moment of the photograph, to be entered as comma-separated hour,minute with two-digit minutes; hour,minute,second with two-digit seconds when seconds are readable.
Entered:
6,50
